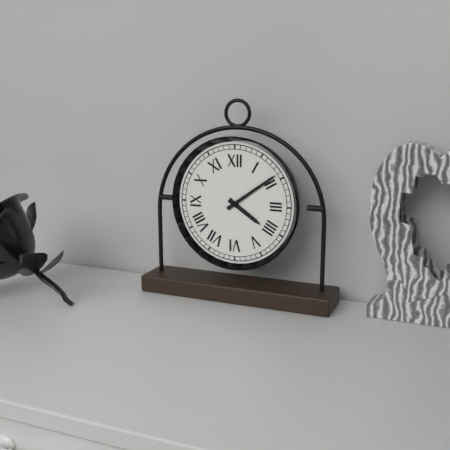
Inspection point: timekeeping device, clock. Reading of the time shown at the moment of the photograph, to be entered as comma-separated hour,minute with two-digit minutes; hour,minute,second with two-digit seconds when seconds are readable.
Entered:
4,09
